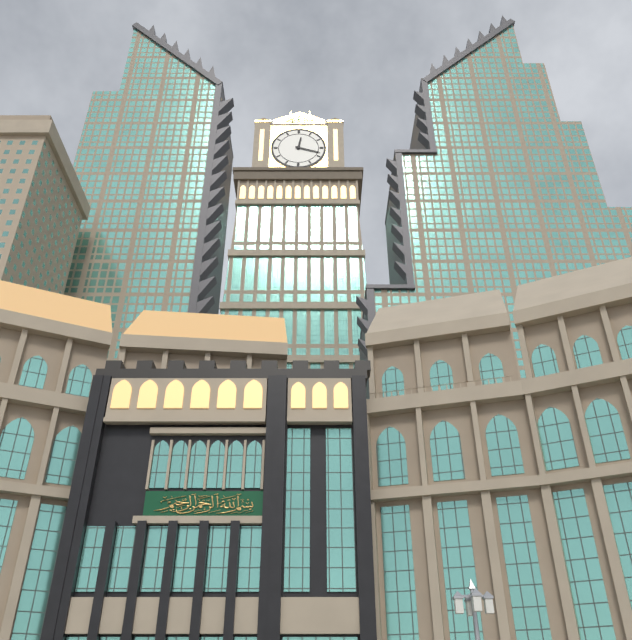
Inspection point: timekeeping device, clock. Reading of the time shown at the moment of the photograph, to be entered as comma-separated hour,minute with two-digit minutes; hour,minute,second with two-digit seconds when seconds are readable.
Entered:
12,18
